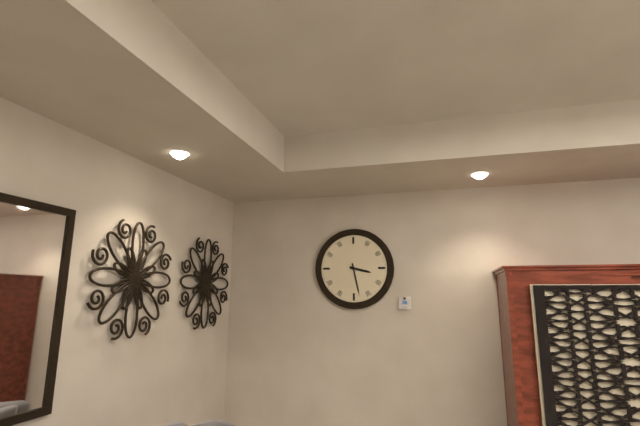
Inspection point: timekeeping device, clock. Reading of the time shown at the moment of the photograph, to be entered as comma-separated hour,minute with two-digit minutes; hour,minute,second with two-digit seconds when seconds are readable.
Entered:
3,28
